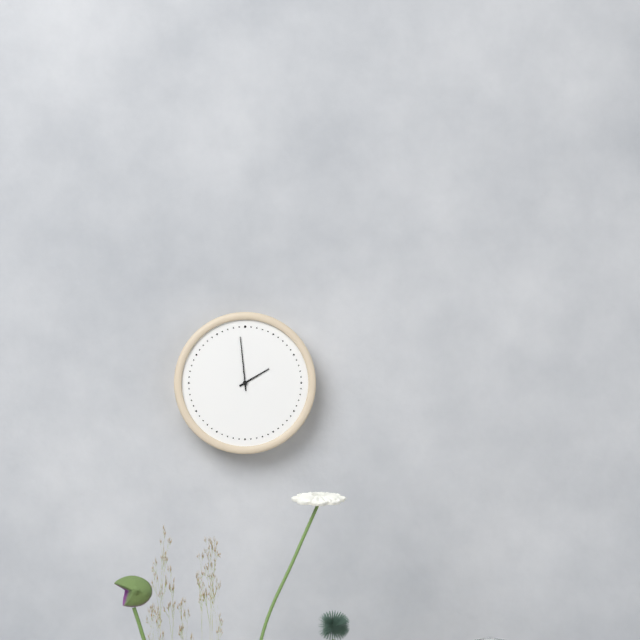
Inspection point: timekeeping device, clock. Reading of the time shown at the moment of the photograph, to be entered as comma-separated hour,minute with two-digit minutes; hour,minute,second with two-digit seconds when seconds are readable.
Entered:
1,59
